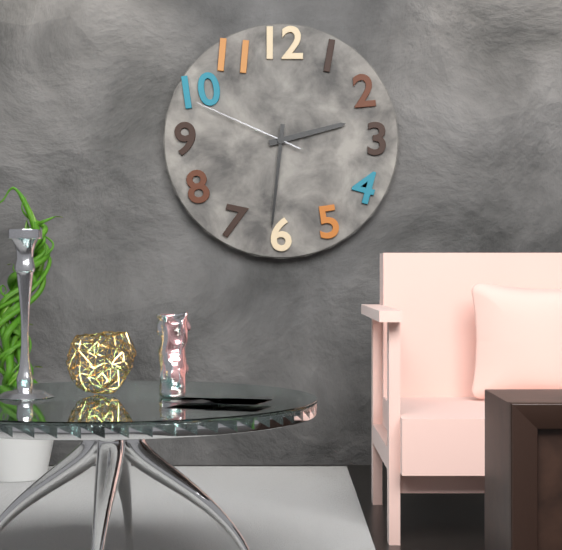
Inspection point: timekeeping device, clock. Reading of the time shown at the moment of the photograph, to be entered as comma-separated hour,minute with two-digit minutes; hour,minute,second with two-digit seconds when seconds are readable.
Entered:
2,31,49
